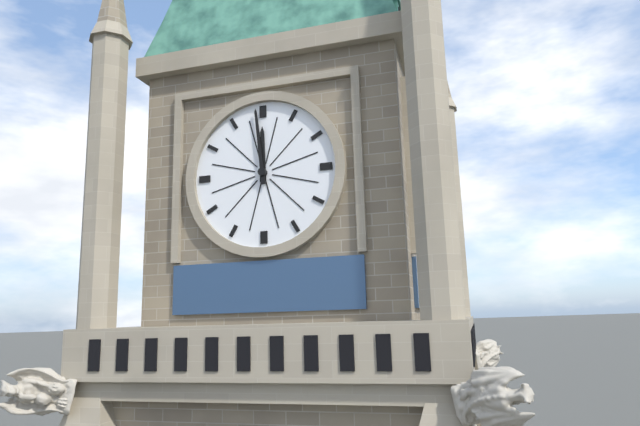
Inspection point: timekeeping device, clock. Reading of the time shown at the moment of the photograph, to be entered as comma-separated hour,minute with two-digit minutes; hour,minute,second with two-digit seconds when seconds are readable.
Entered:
11,59
